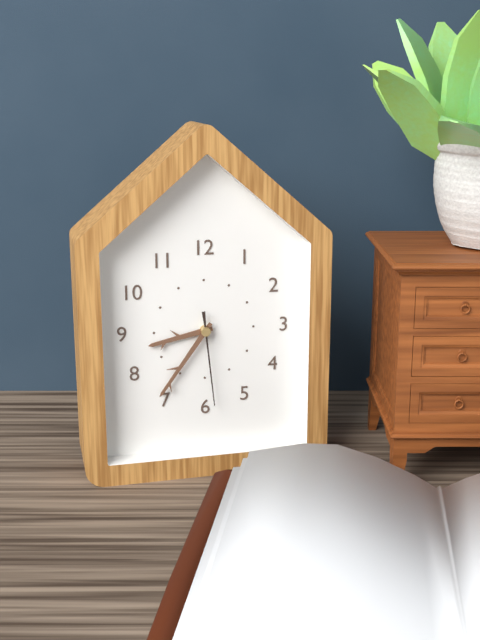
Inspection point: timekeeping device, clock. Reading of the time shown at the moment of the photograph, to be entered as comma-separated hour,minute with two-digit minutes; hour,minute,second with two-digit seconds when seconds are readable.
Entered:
8,36,29
